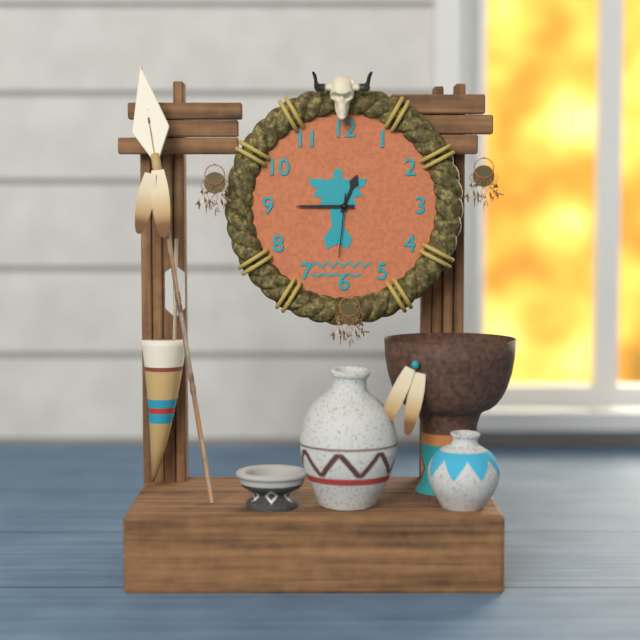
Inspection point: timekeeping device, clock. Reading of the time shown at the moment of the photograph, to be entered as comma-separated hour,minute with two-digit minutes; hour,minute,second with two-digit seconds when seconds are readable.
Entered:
12,45,31
